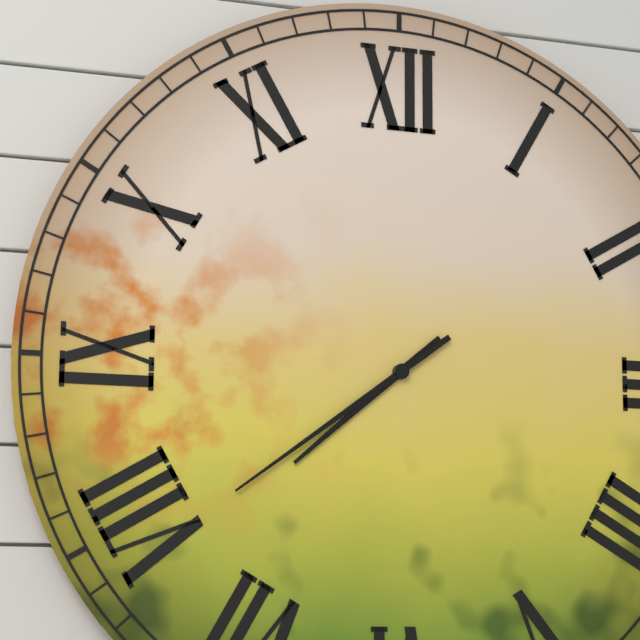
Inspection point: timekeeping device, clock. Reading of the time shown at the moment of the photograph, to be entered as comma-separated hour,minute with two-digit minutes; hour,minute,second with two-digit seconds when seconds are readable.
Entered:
7,39
